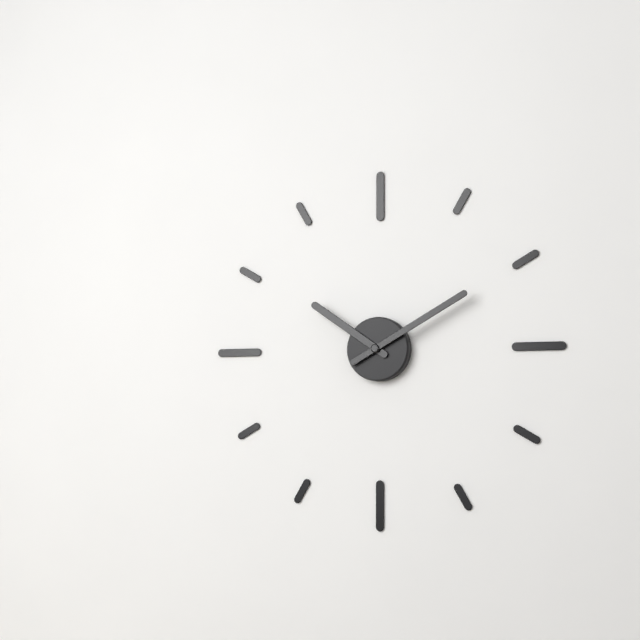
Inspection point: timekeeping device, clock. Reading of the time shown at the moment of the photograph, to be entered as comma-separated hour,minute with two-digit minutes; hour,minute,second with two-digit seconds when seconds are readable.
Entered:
10,10
